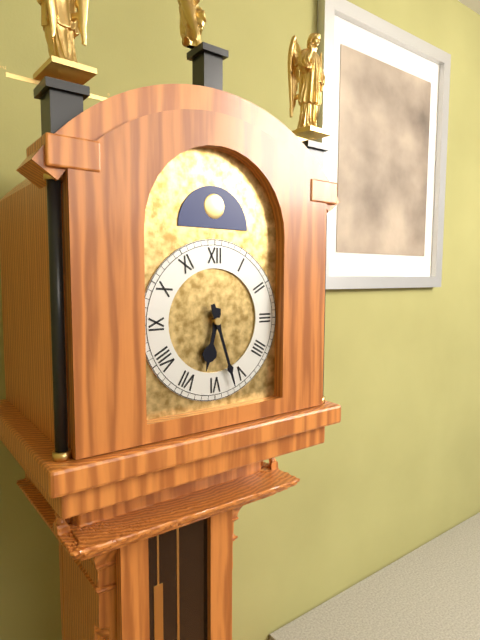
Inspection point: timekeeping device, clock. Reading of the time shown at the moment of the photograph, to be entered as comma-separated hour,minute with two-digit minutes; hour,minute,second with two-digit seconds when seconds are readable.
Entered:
6,27
